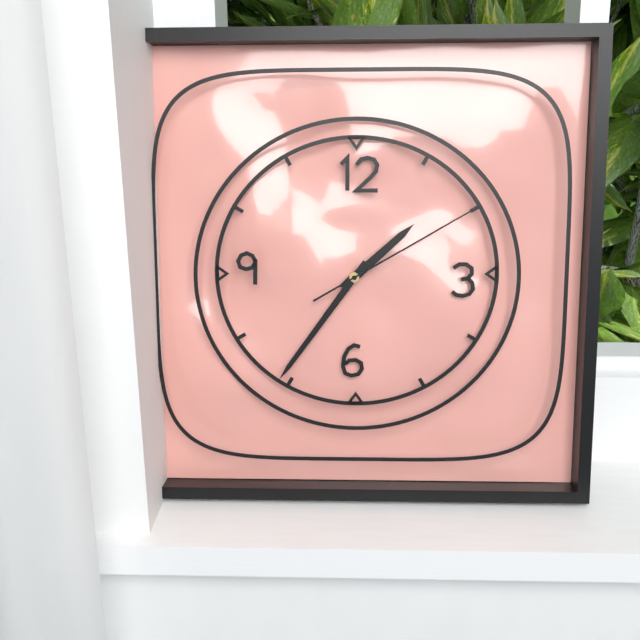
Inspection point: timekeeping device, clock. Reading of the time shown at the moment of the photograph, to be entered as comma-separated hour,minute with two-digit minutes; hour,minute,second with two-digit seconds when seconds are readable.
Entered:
1,36,10
